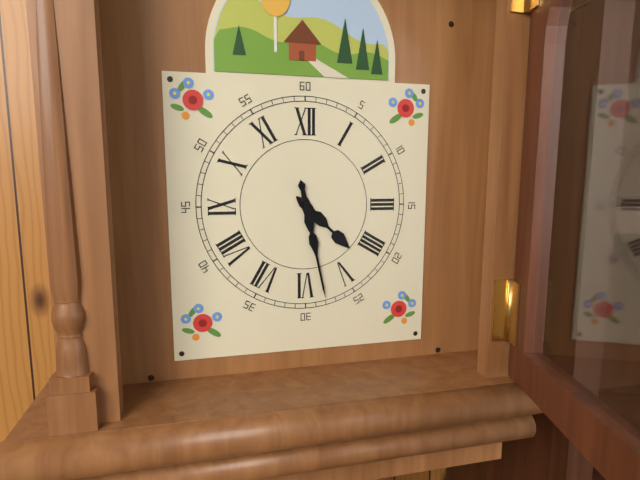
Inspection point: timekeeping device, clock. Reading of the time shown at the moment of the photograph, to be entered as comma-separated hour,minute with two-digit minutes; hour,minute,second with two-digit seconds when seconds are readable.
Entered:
4,28
